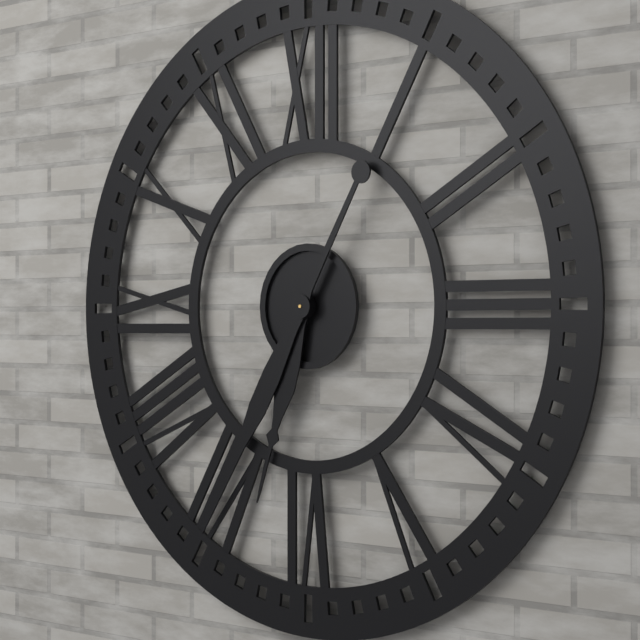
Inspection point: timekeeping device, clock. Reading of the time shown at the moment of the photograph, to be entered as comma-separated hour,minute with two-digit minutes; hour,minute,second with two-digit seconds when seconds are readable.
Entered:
6,35
